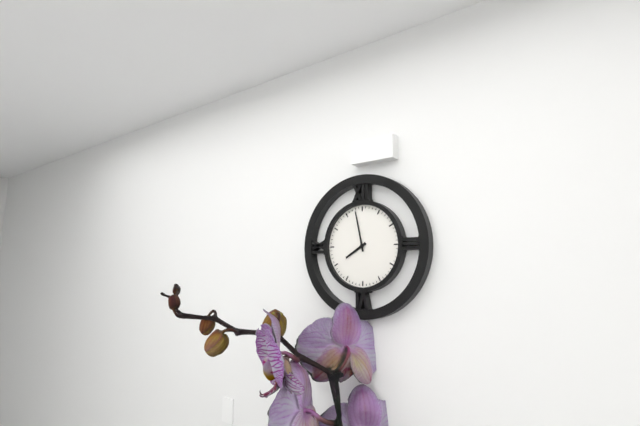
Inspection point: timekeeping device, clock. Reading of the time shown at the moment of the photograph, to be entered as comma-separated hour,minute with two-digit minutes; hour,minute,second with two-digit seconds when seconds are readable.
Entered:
7,58
